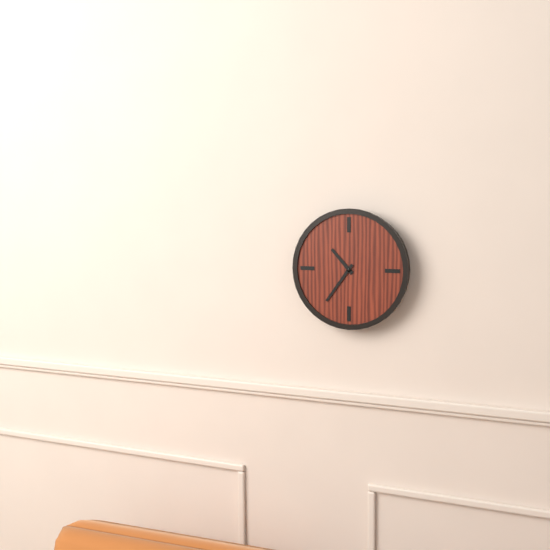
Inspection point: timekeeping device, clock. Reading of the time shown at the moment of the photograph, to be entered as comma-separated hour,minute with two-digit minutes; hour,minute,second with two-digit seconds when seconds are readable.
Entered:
10,36
